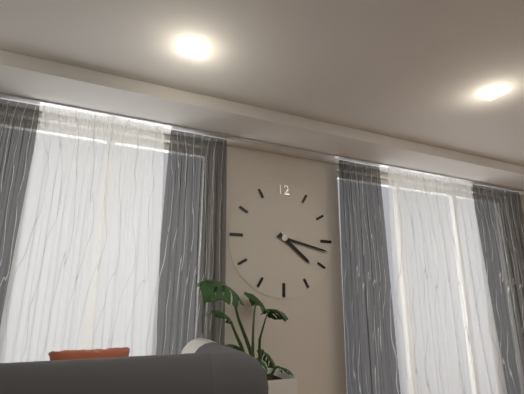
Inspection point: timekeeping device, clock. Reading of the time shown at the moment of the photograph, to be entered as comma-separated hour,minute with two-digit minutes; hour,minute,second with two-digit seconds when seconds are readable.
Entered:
4,17
